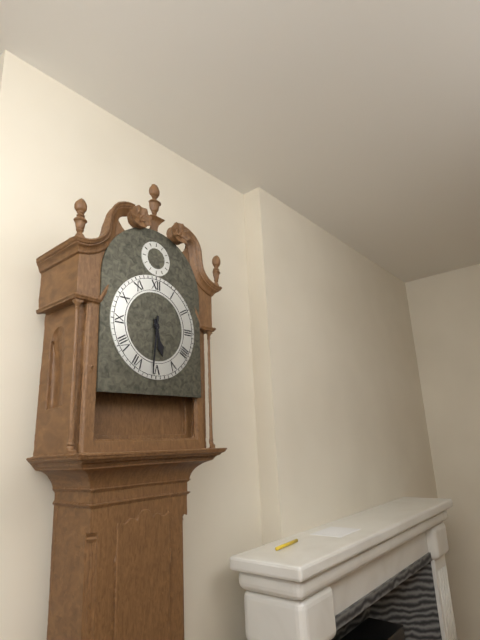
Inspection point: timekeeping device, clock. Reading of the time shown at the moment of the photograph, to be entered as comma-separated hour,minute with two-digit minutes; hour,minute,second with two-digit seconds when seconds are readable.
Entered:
5,31
